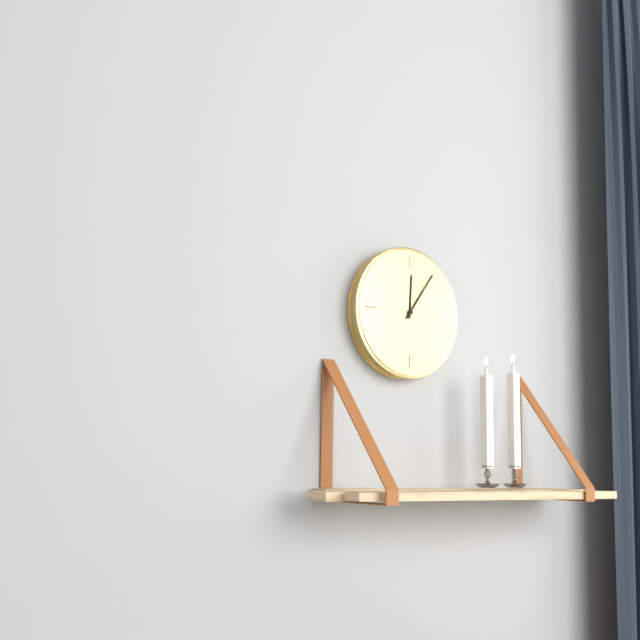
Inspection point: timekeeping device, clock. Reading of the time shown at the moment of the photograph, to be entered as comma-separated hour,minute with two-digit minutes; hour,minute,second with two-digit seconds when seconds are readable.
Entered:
12,06
